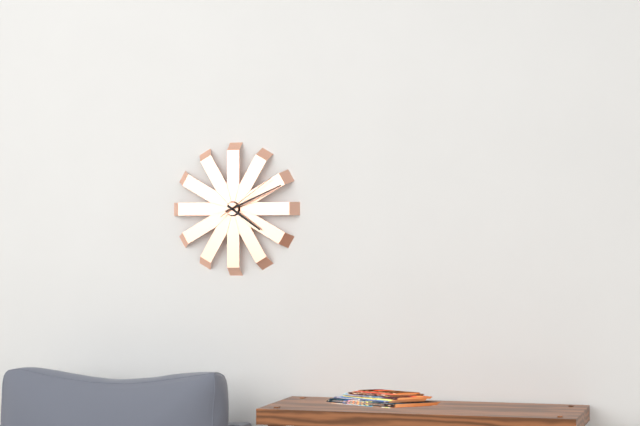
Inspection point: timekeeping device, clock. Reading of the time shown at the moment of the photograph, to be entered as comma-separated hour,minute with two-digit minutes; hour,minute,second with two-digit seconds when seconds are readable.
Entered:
4,11,09
